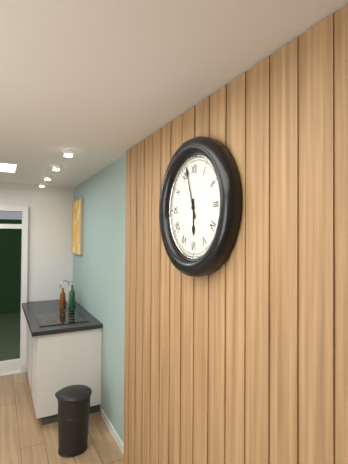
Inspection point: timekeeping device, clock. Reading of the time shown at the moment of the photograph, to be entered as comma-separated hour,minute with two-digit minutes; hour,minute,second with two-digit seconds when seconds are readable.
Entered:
5,57
